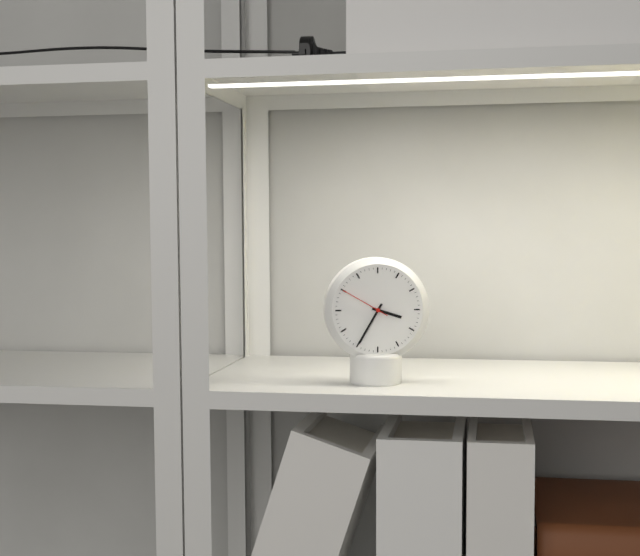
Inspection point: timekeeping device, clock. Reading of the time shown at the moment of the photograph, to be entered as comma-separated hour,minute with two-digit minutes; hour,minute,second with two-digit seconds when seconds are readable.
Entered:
3,35,50
